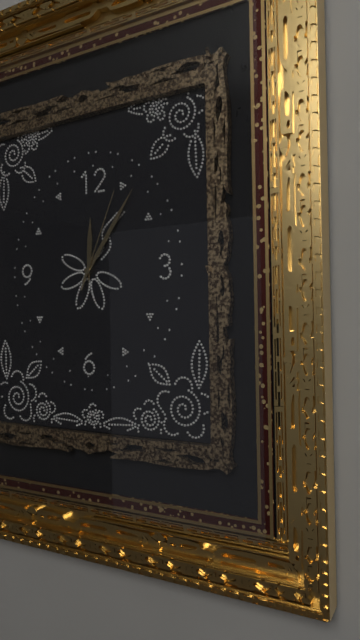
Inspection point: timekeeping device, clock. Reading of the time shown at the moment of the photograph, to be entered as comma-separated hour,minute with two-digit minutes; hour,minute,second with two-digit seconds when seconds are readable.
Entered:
12,06,04
